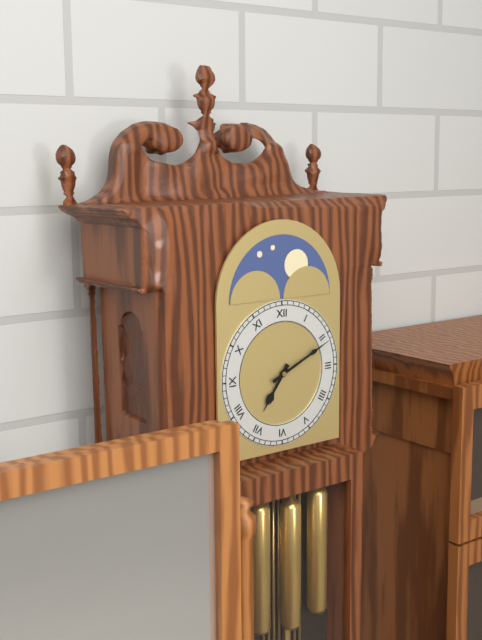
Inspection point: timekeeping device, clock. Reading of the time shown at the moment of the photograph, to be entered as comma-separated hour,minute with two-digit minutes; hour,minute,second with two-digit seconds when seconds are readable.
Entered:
7,11
